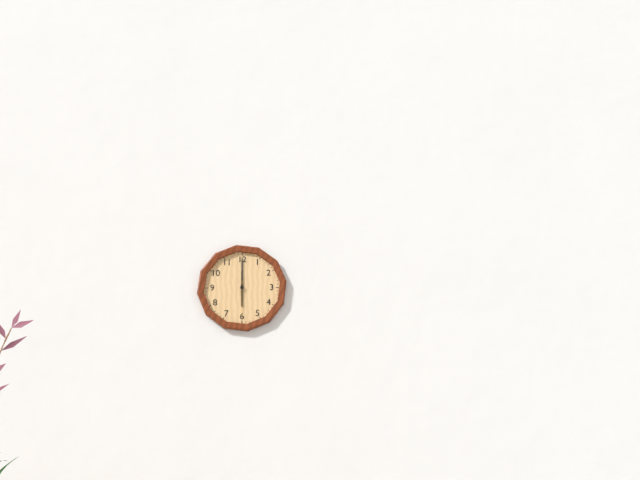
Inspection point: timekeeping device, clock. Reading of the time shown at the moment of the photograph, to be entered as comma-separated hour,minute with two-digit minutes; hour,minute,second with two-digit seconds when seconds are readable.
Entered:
6,00
